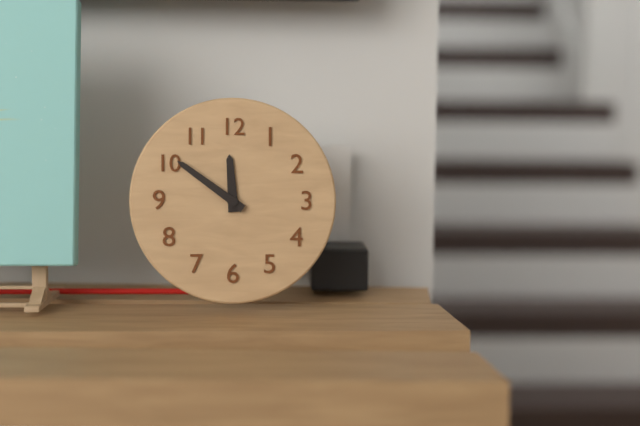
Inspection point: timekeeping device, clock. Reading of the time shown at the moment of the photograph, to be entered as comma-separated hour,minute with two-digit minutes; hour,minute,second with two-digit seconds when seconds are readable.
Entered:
11,51
